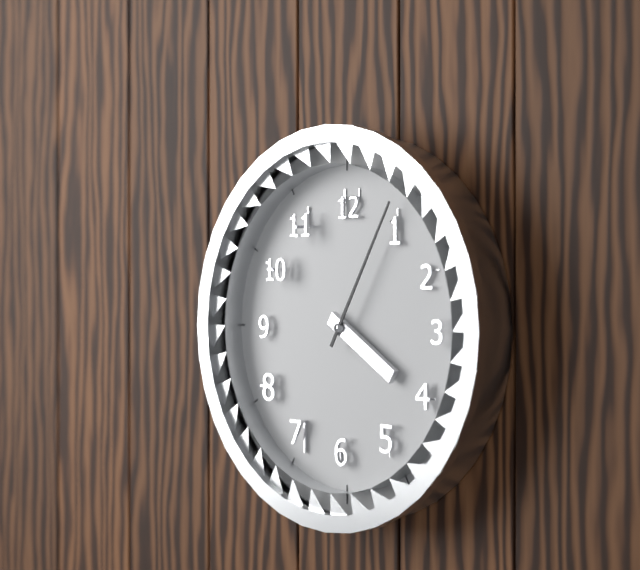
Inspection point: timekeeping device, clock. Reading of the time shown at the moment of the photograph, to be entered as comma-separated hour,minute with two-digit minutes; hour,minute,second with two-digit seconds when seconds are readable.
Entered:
4,05
